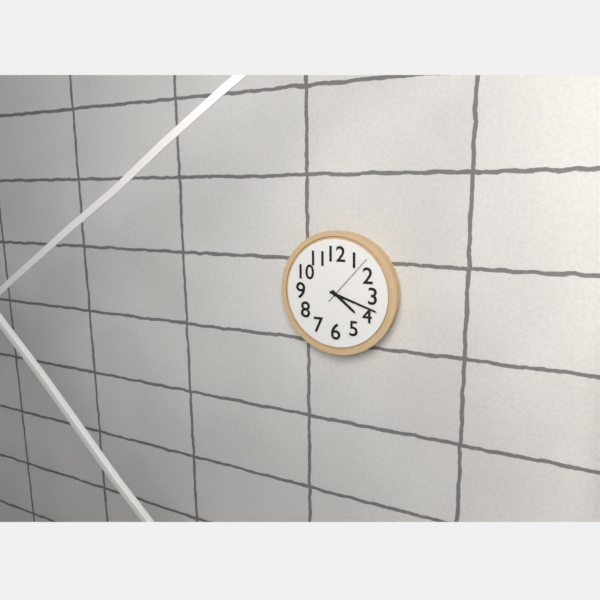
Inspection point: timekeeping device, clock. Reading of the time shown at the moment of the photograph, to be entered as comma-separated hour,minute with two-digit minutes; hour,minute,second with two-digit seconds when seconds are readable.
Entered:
4,18,07
